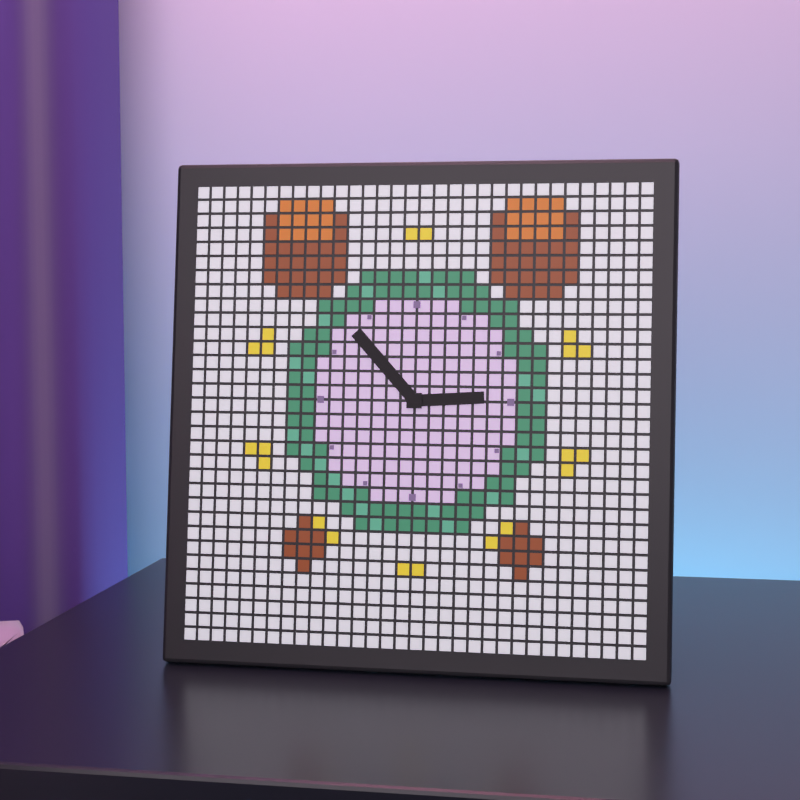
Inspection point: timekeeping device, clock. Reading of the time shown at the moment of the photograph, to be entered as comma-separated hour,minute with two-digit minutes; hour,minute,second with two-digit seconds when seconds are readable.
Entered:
2,53
